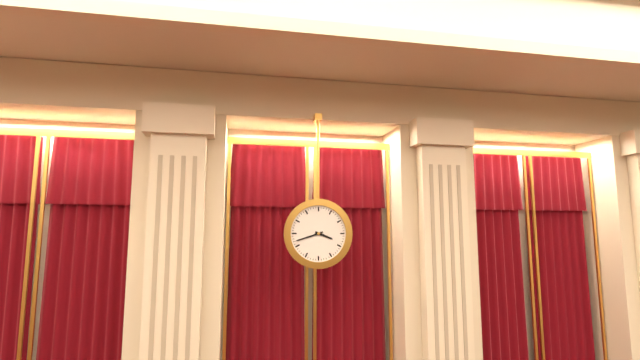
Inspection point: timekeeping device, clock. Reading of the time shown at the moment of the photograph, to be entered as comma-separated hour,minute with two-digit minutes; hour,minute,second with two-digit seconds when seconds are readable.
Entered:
3,42
